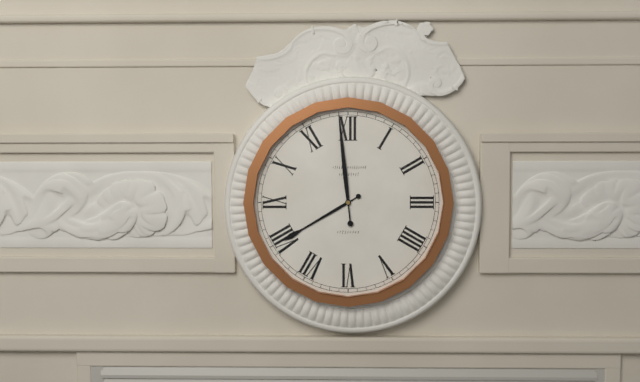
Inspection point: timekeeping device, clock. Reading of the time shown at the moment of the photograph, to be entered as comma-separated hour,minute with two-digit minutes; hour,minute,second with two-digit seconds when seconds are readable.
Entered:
7,59
